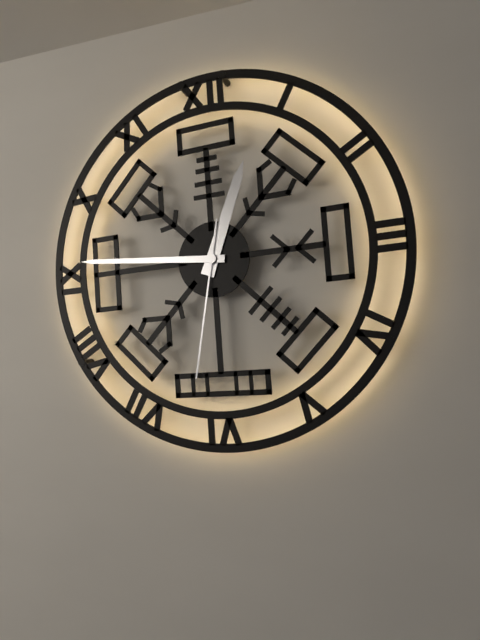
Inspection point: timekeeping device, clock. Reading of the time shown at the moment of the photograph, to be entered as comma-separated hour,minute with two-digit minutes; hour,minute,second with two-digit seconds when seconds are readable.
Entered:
12,46,32
